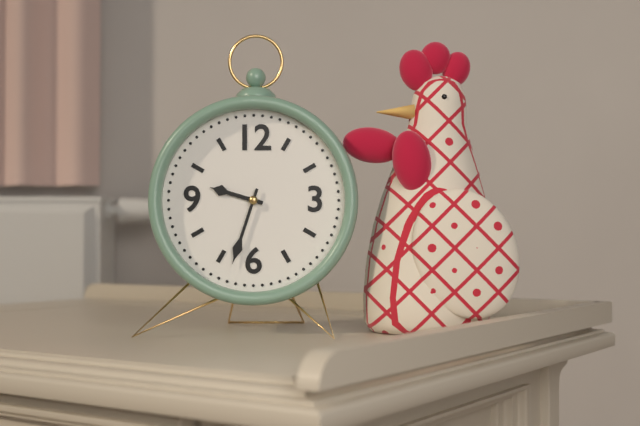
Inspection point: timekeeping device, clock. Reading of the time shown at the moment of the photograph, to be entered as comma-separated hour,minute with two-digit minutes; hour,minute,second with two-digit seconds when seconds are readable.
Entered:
9,33
